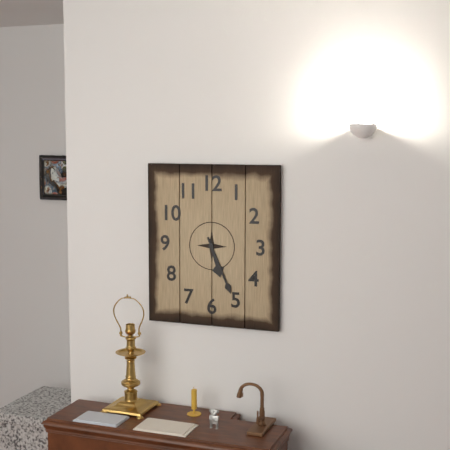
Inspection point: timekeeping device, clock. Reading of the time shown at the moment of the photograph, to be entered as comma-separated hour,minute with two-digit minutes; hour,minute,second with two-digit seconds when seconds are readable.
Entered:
5,26
